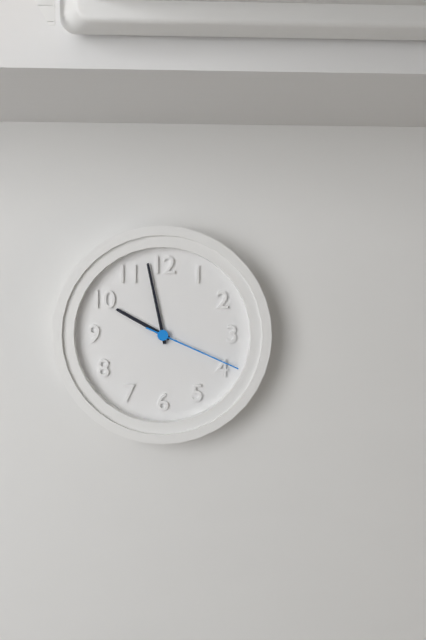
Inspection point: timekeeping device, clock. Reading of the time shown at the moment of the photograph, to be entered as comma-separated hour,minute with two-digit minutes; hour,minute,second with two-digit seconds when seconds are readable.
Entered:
9,58,19
